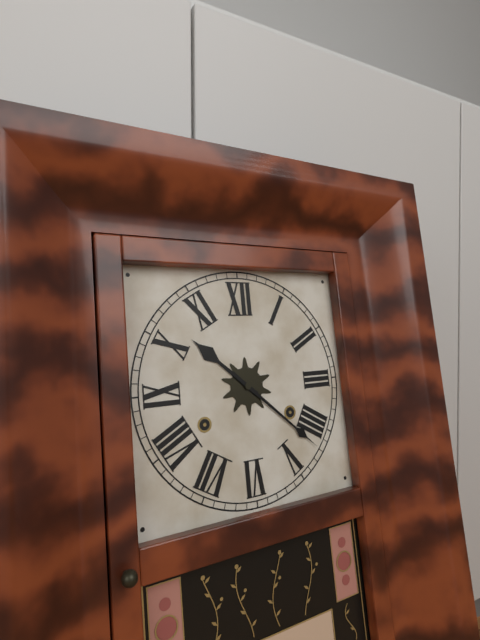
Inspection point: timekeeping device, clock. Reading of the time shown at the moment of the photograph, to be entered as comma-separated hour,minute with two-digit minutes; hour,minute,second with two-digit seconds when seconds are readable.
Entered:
10,22
